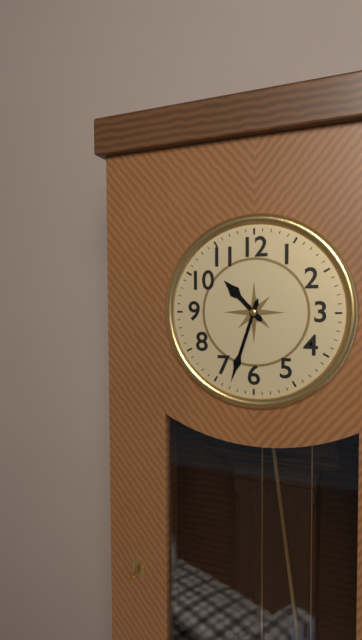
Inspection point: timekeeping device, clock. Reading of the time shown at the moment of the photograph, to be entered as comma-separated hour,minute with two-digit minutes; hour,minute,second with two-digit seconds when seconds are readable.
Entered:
10,33
